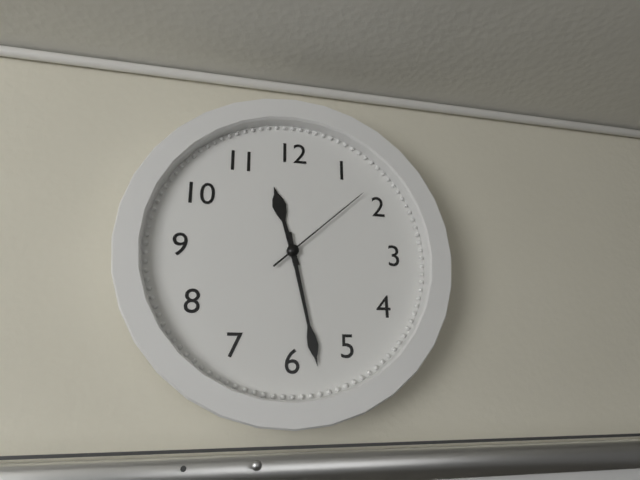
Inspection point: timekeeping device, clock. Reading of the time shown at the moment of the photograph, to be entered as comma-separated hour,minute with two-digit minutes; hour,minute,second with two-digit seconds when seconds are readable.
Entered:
11,28,08
